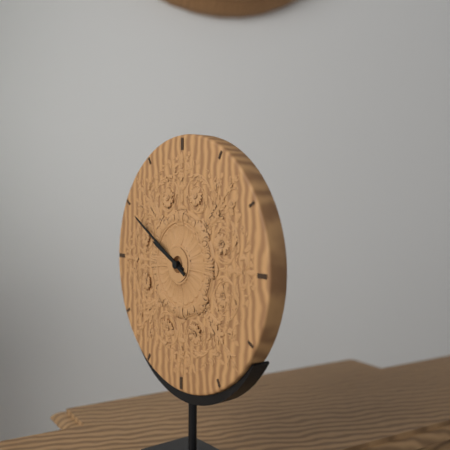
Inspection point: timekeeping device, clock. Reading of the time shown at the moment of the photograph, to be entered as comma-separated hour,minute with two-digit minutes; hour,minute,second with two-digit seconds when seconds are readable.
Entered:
9,50
